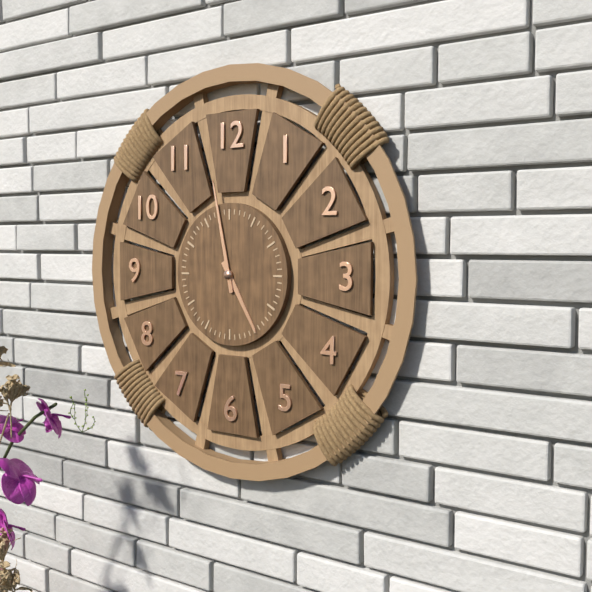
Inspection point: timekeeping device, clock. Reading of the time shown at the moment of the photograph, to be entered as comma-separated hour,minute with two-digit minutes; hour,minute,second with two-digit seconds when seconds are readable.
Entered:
4,58
